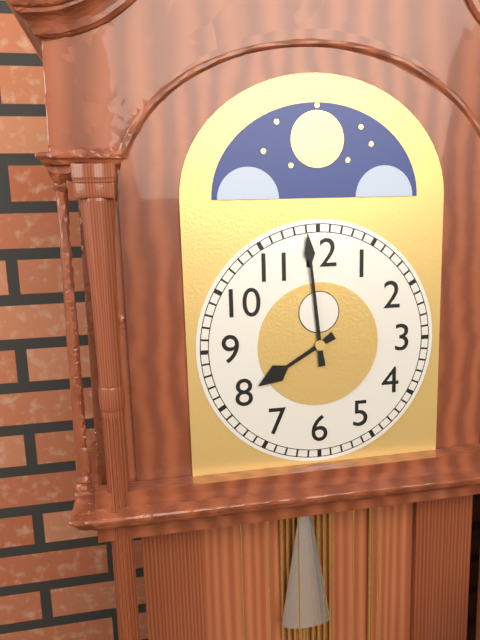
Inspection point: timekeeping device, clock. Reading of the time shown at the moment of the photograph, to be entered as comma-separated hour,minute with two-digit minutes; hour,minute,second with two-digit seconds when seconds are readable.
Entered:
7,59
